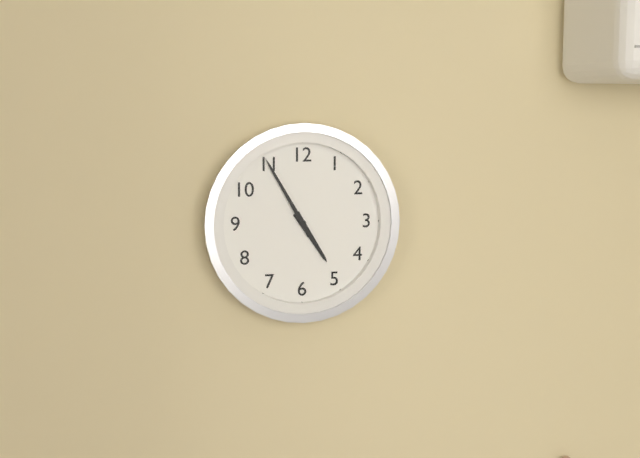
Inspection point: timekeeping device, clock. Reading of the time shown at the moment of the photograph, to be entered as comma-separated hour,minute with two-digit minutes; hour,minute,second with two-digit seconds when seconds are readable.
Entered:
4,55
